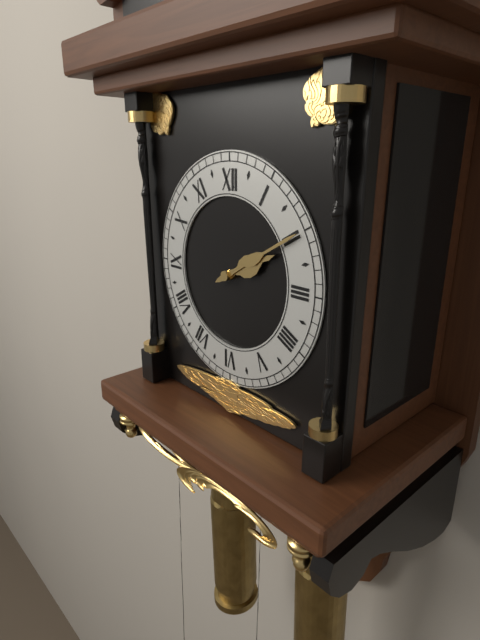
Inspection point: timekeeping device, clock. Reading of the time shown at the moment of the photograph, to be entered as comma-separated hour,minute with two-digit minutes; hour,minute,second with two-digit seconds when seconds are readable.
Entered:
2,10
